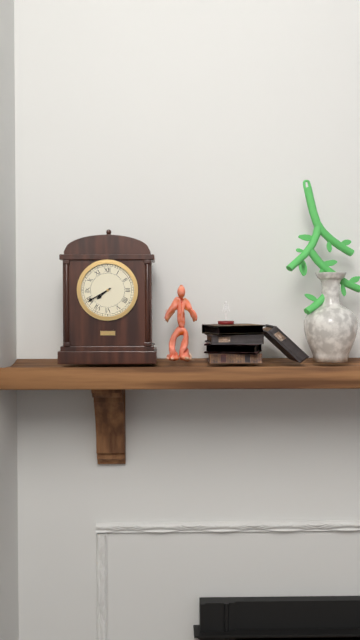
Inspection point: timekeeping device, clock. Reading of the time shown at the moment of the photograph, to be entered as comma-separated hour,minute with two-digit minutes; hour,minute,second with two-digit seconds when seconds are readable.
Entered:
7,40
